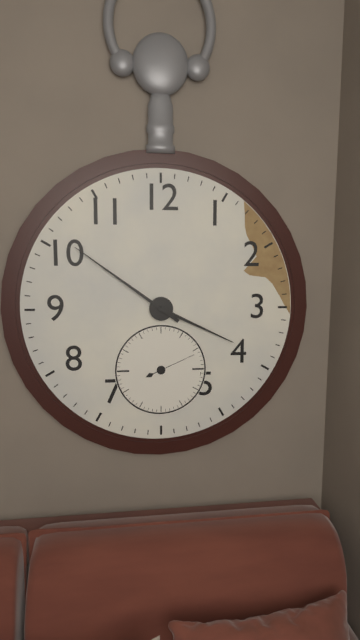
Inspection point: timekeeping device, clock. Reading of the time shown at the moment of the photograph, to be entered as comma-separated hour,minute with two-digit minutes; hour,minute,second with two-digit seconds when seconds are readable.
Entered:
3,51
